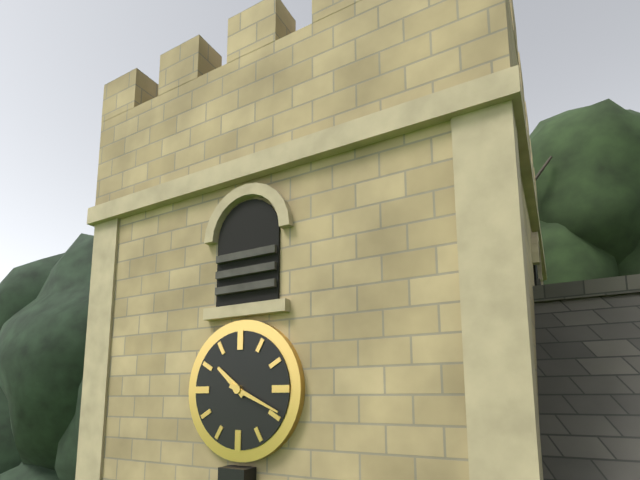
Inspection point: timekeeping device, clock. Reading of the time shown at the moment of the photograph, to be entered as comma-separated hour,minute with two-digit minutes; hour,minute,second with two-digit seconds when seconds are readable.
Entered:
10,19
